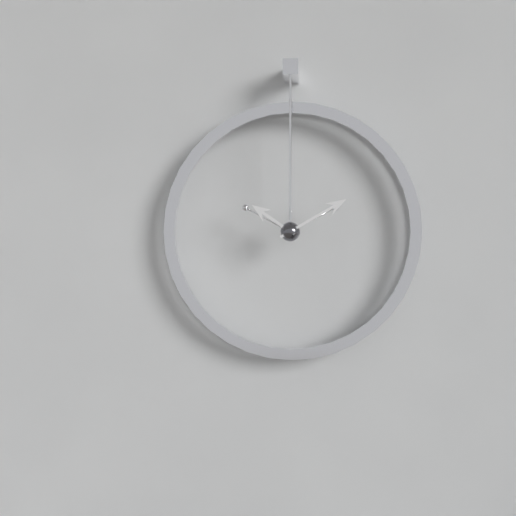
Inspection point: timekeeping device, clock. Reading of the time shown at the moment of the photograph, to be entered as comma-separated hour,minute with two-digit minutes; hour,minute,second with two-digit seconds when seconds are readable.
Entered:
10,10
